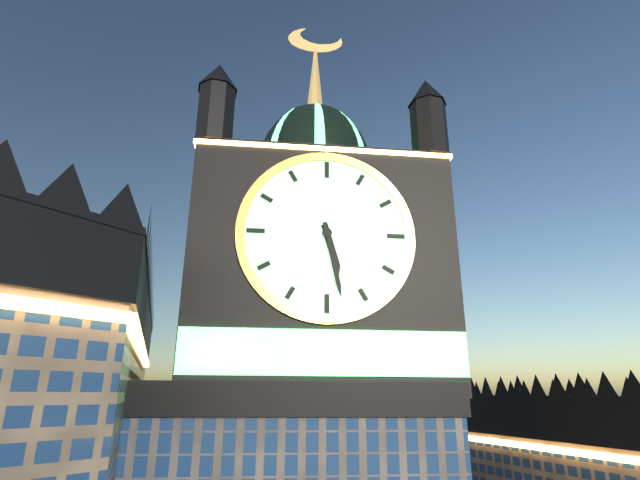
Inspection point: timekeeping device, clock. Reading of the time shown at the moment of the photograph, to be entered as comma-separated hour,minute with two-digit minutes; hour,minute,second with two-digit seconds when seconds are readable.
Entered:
5,28
